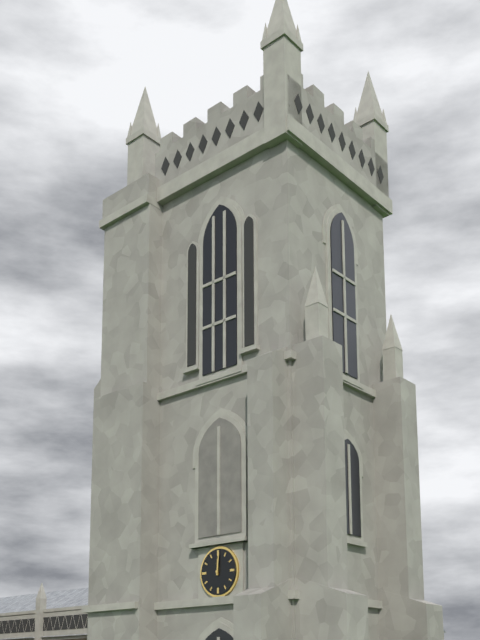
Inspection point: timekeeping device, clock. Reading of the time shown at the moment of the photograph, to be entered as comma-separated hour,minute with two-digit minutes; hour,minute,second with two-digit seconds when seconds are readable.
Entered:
12,01
